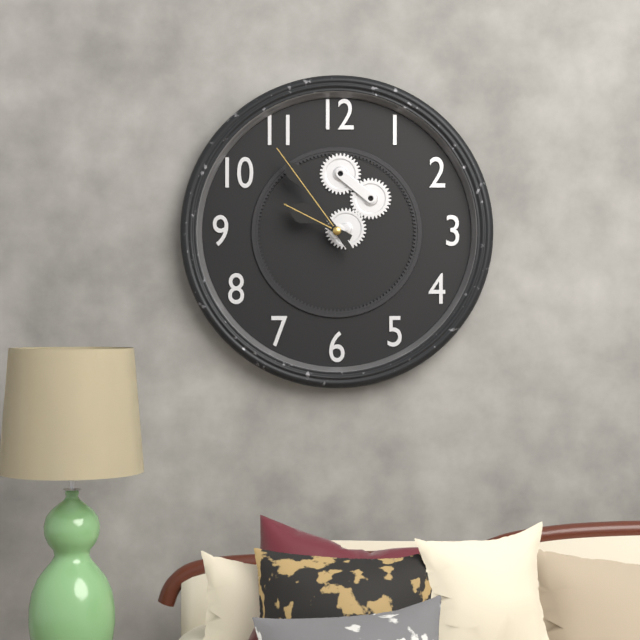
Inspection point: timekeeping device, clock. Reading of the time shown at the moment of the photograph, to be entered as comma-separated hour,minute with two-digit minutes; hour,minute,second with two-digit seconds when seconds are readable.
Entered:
9,54
